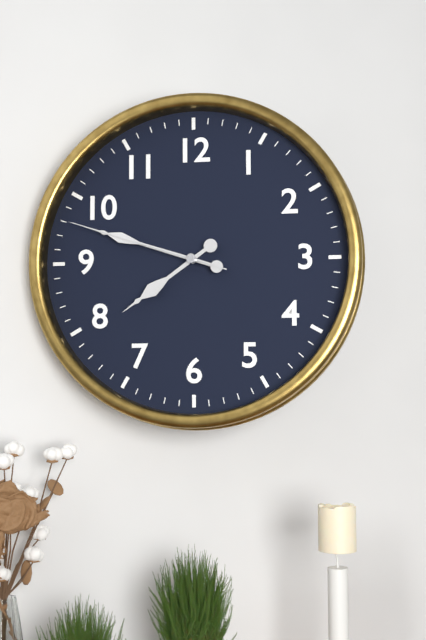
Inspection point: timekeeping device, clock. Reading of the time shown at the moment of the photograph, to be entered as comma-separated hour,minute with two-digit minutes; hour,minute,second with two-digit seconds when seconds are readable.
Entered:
7,48,48
